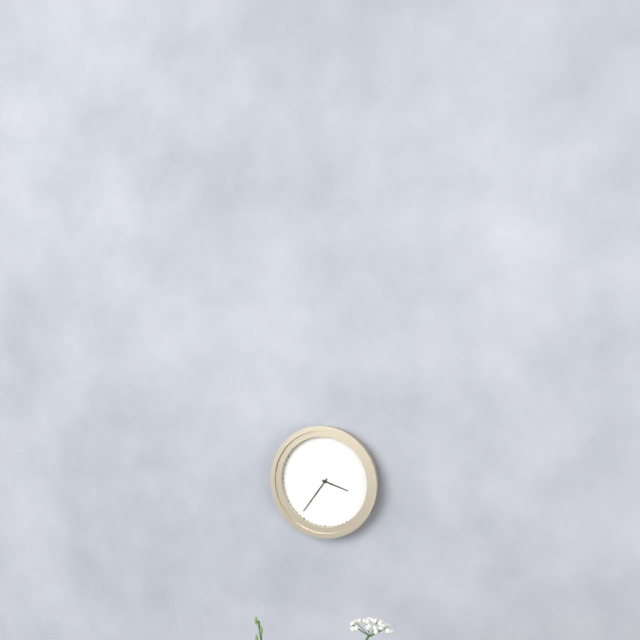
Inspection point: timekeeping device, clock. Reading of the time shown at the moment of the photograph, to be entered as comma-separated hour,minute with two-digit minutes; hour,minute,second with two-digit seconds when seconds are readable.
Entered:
3,36
